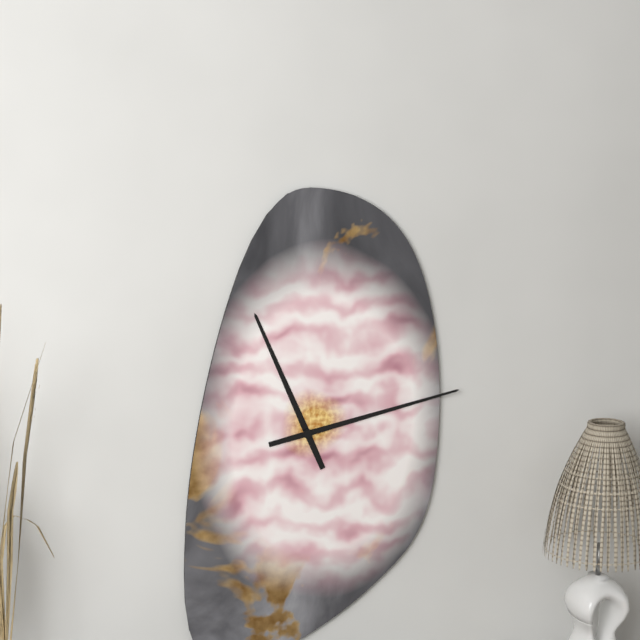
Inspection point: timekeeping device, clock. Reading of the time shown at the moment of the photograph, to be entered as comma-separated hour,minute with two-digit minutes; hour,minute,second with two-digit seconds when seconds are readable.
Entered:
11,13
